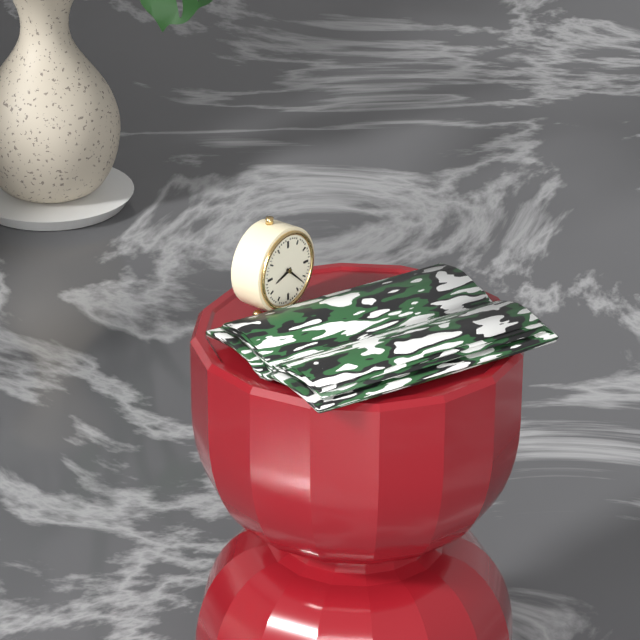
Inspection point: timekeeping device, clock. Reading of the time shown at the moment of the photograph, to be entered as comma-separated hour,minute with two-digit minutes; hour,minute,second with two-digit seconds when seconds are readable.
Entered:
8,22
